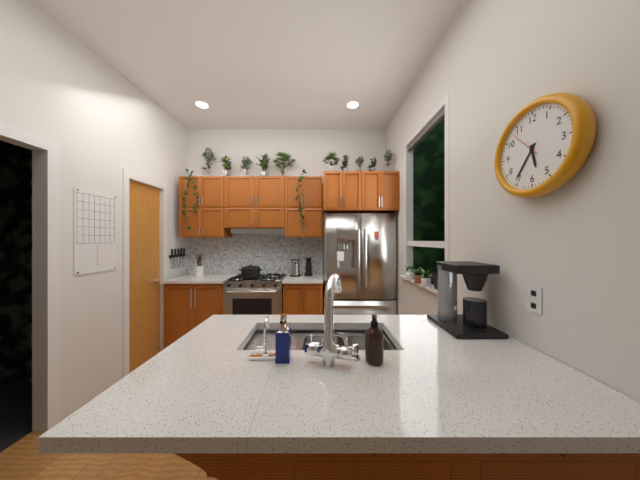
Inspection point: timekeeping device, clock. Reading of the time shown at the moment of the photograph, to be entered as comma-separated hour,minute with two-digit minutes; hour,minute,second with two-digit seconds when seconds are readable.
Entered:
5,36
